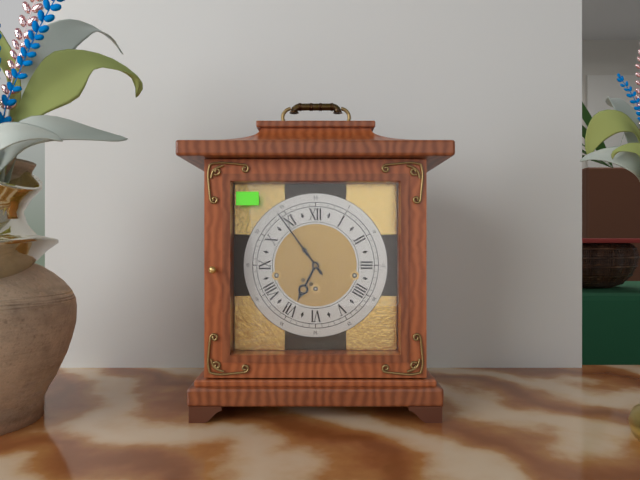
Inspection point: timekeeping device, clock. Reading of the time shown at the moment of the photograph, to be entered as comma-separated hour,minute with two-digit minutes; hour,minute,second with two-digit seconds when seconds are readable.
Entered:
6,54
